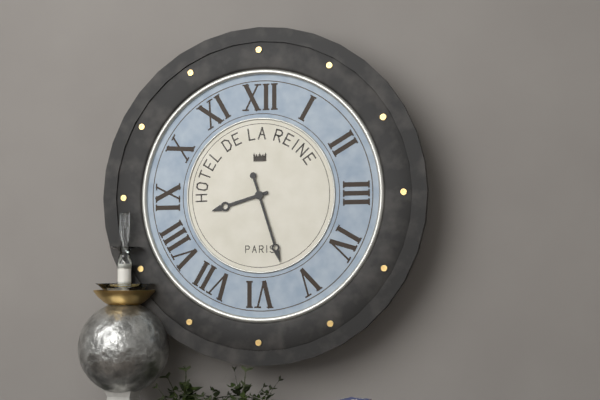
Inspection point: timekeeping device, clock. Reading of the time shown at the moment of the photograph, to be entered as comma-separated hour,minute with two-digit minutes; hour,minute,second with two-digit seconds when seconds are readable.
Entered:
8,27
